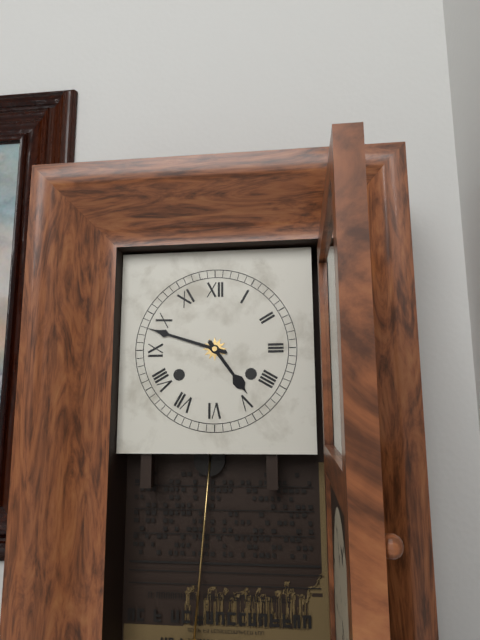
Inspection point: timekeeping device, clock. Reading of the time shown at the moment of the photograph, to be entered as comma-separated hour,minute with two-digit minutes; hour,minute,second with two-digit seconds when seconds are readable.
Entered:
4,48
